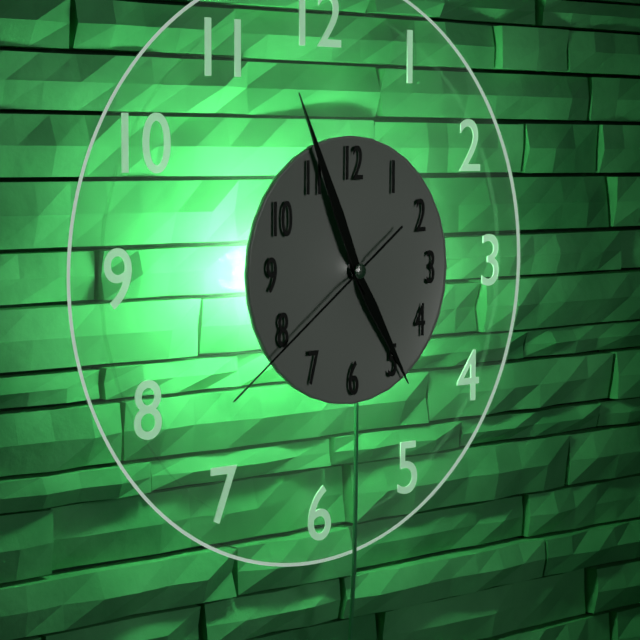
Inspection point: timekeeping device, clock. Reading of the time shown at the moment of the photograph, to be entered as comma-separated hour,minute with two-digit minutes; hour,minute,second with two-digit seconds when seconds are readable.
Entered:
4,56,39
